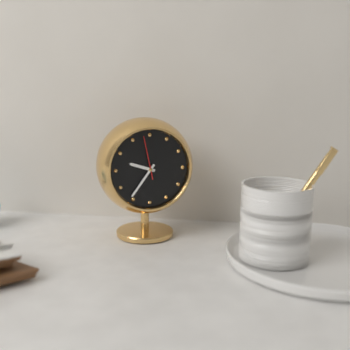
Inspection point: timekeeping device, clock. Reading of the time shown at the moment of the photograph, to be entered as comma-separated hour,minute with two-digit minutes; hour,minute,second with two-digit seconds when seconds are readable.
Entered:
9,36
